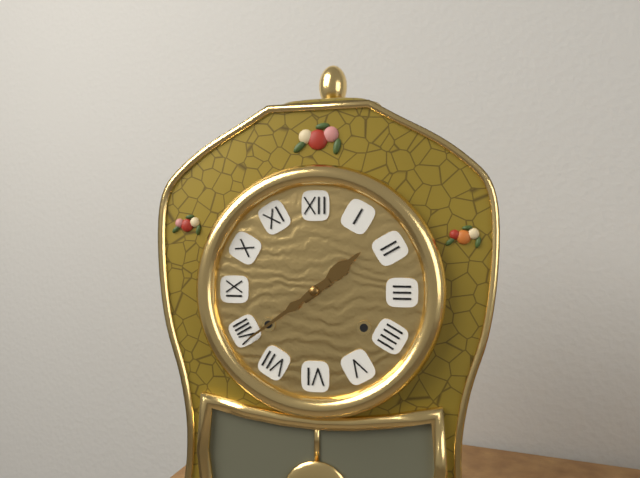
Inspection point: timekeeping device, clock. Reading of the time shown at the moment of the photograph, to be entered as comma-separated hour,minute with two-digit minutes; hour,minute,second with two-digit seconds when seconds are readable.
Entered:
1,39
